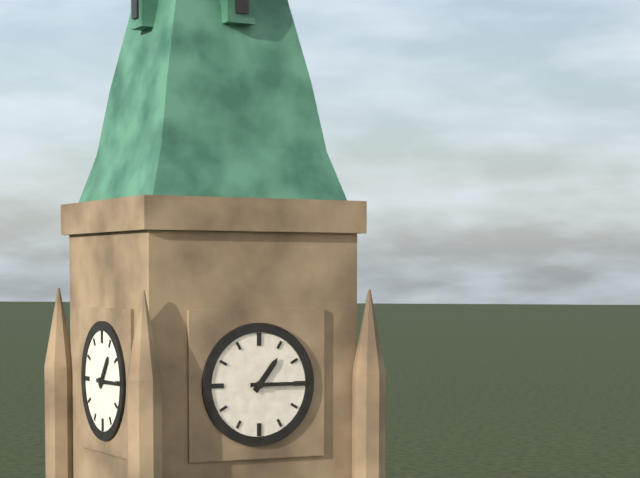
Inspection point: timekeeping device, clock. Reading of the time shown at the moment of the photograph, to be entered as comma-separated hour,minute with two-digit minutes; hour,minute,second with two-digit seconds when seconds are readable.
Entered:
1,15
